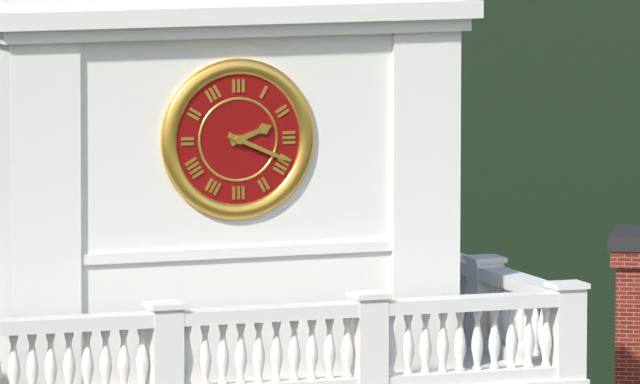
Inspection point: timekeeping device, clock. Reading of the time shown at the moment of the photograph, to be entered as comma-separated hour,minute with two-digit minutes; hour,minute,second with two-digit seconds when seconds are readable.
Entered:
2,19
